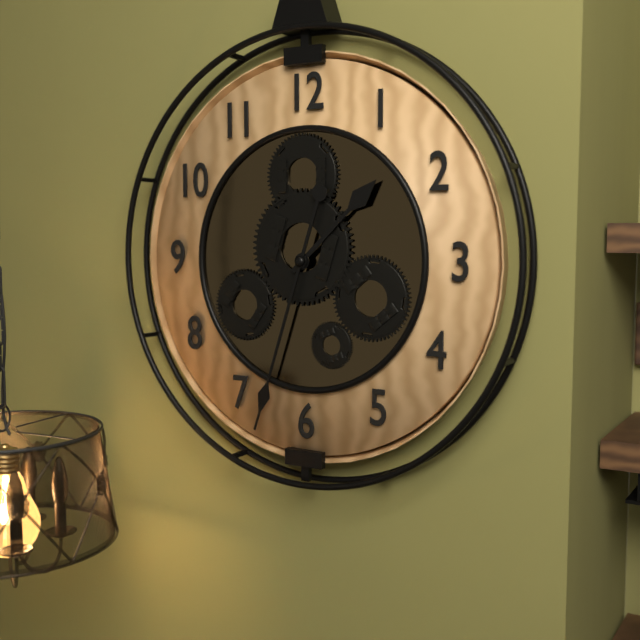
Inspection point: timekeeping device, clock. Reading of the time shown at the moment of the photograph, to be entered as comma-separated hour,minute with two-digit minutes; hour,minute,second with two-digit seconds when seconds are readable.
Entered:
1,33
